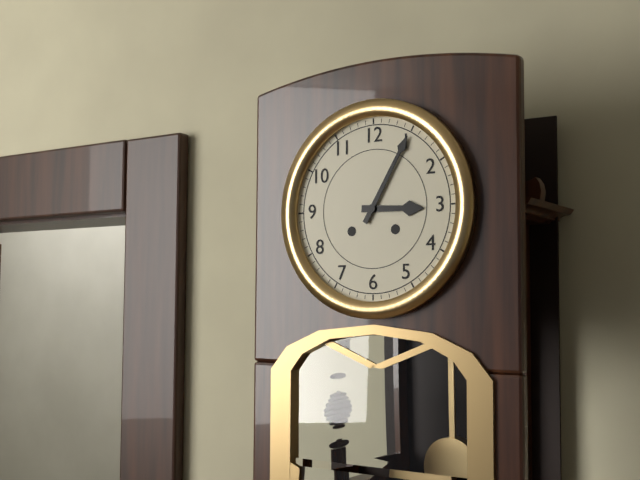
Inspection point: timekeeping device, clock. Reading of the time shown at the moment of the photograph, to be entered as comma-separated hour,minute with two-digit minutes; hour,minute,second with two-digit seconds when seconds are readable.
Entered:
3,05
